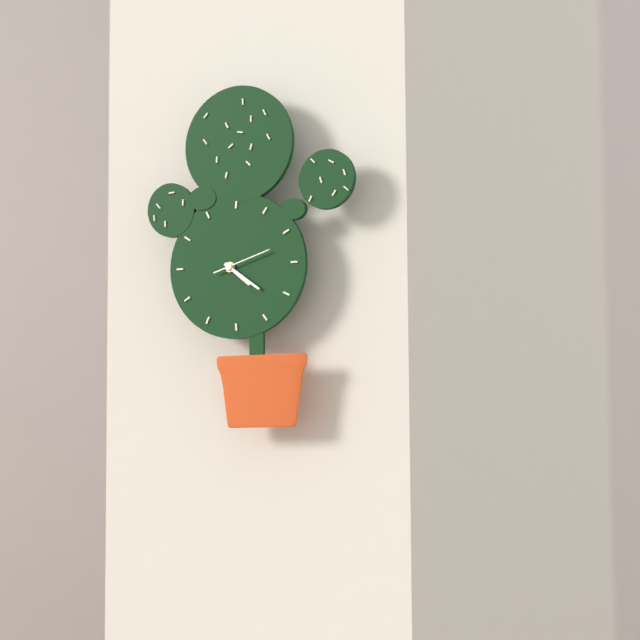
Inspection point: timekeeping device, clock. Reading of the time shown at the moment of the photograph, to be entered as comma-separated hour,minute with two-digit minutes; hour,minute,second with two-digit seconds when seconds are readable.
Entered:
4,21
